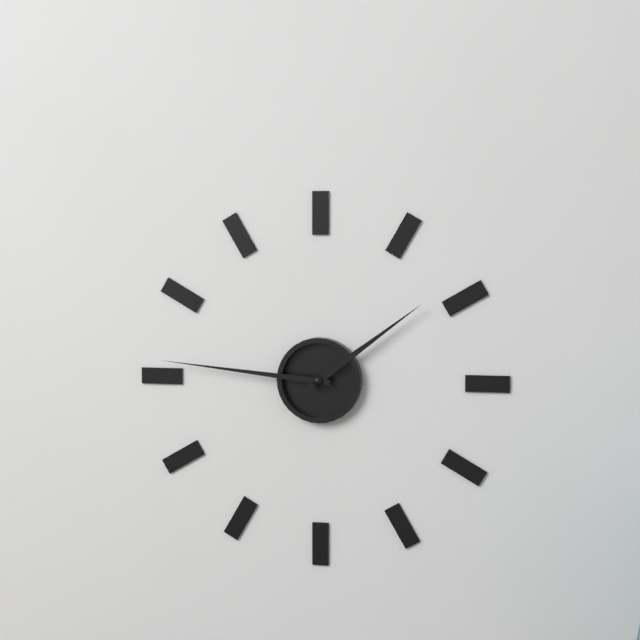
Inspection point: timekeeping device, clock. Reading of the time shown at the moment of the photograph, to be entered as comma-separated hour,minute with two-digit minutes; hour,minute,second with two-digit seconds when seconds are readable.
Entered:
1,46
